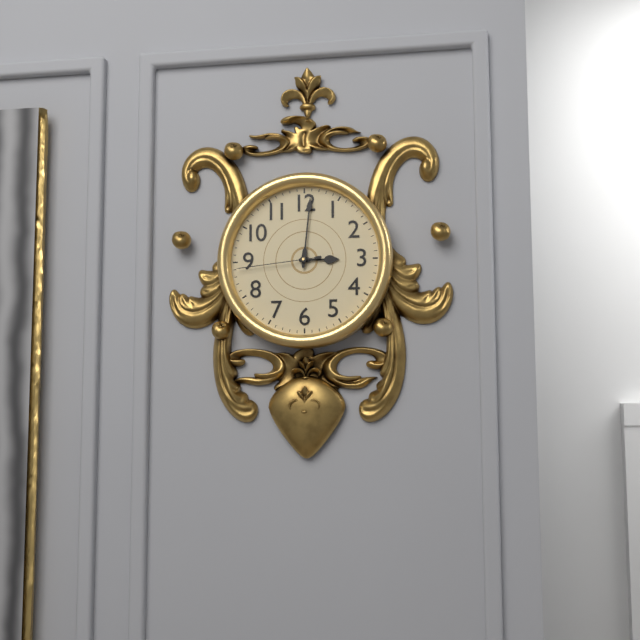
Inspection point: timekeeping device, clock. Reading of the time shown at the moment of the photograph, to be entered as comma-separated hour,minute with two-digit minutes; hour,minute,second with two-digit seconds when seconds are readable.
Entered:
3,01,44
